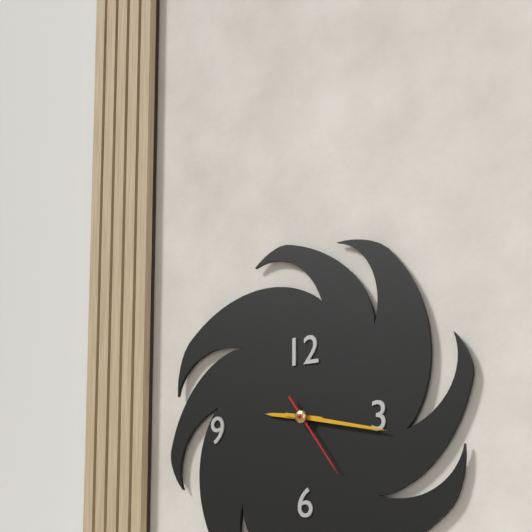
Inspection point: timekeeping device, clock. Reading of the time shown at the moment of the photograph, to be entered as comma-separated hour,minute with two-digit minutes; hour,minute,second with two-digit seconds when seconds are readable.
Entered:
9,17,24
